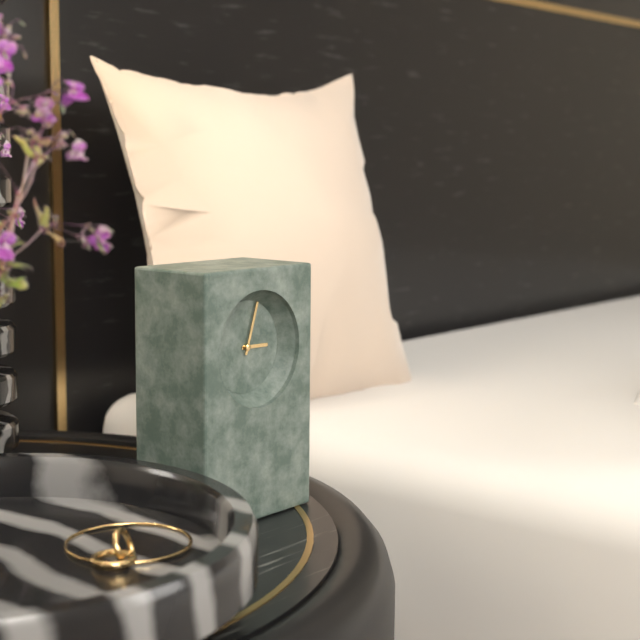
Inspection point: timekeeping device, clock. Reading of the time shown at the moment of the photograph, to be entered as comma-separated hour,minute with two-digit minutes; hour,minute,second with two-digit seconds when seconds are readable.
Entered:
3,03
